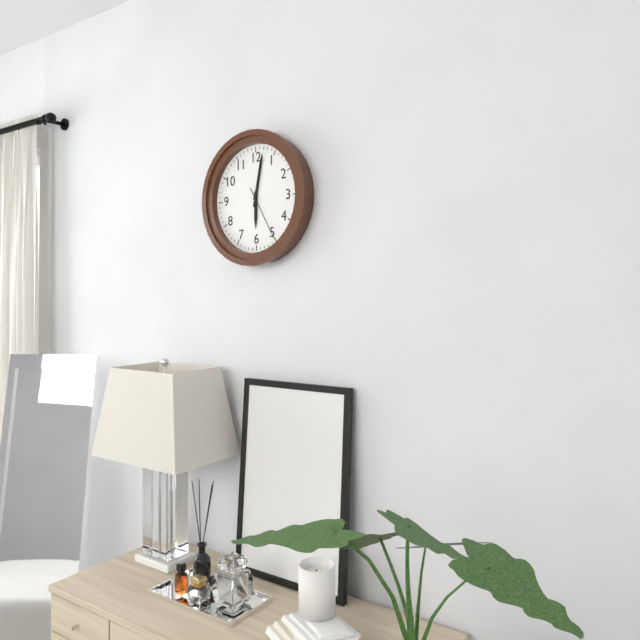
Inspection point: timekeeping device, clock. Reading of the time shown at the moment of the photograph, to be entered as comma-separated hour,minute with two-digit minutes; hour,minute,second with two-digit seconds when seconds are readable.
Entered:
6,02,25
